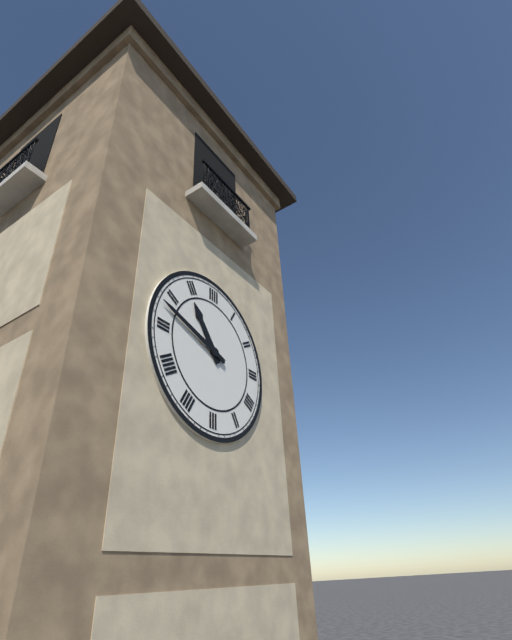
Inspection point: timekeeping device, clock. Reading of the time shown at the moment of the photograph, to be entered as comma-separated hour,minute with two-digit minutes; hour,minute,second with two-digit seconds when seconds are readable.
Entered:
10,48
